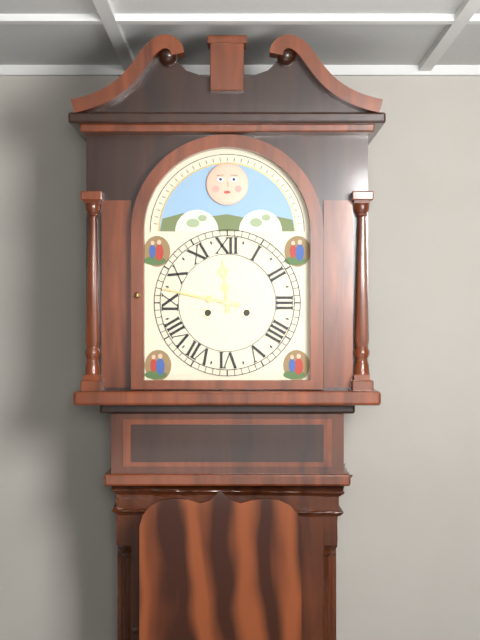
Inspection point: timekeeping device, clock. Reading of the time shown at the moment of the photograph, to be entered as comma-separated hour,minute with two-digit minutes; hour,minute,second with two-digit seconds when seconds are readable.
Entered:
11,47
